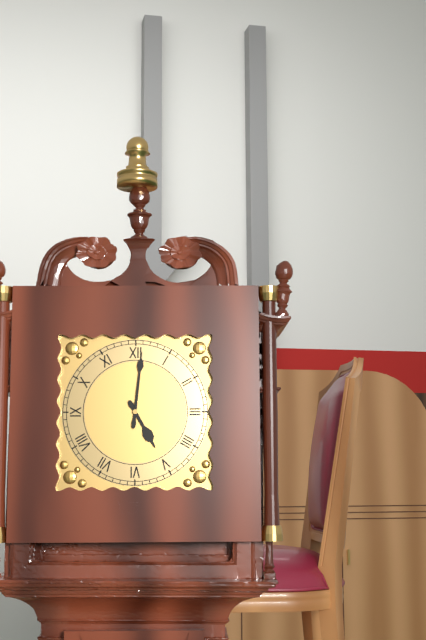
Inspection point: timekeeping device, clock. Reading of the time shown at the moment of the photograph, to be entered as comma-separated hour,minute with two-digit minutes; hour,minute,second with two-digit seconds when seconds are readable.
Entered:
5,01
